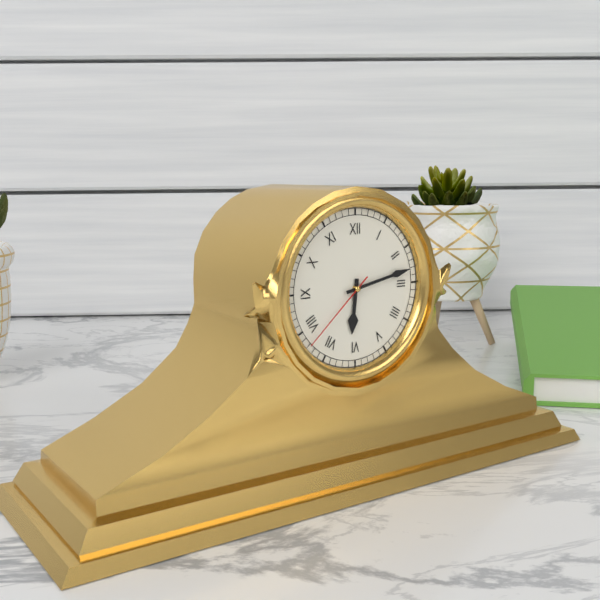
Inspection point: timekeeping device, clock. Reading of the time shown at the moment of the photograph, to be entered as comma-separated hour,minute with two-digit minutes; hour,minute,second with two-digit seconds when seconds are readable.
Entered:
6,13,38
